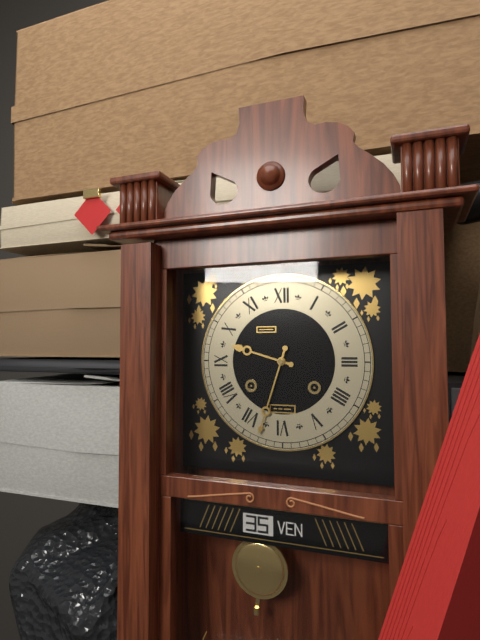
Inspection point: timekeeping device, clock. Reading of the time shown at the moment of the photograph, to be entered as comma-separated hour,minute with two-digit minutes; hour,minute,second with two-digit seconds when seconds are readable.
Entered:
9,33
